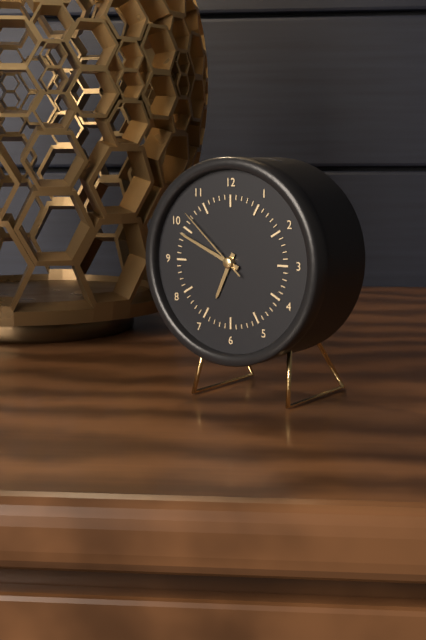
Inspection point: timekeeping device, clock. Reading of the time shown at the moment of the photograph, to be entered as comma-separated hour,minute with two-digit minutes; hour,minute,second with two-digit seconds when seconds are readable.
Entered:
6,49,52
